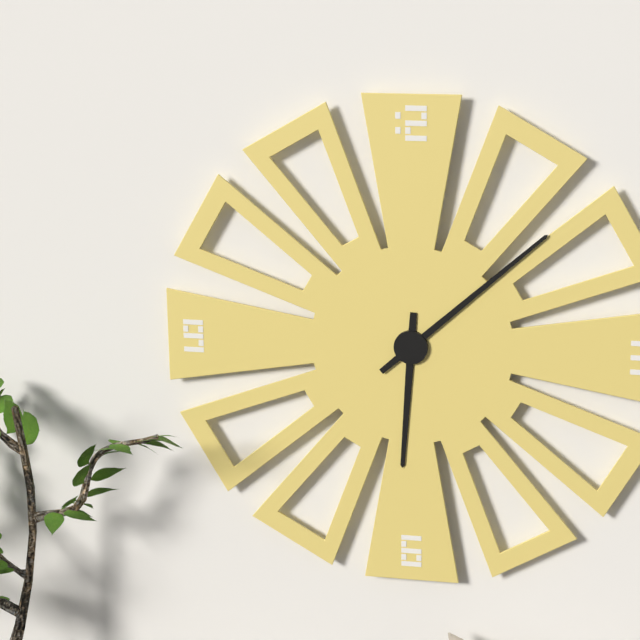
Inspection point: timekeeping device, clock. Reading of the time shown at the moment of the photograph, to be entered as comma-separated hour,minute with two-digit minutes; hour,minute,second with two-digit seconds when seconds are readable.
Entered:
6,08
